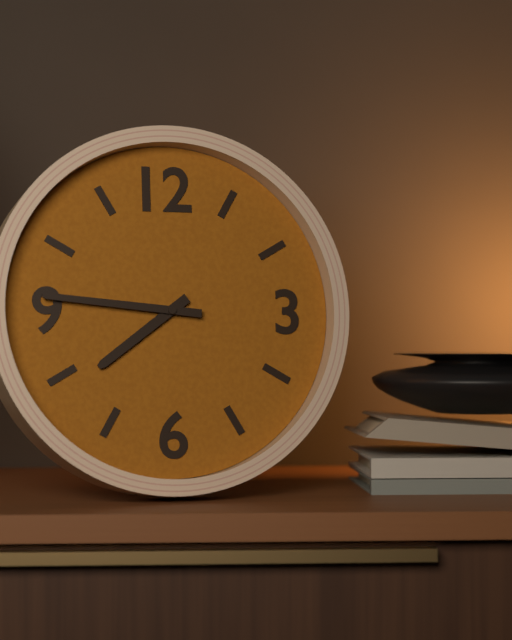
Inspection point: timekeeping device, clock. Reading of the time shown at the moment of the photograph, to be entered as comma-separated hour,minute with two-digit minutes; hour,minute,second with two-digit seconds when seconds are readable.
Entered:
7,46
